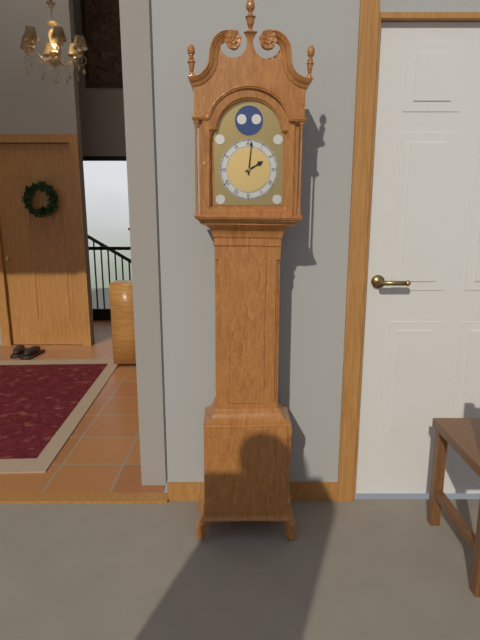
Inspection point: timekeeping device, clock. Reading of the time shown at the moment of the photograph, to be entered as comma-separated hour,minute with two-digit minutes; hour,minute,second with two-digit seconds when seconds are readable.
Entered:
2,01
